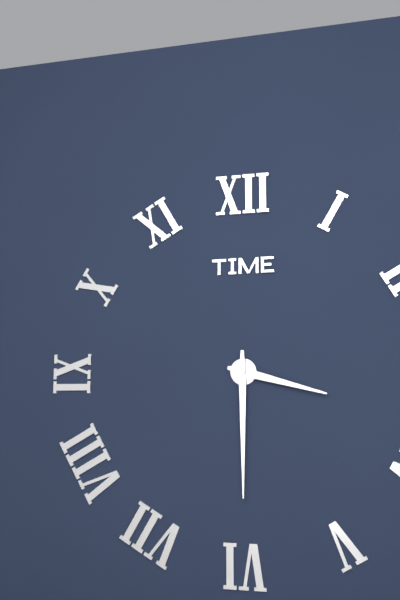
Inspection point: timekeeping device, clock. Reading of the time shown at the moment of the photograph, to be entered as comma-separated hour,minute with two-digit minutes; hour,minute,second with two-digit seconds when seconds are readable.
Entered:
3,30
